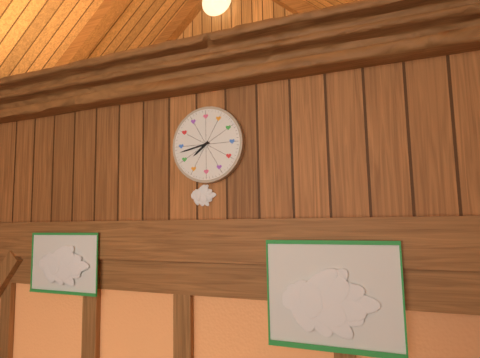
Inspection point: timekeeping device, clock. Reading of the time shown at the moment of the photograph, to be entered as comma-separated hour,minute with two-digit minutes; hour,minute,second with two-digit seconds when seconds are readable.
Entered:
7,43
